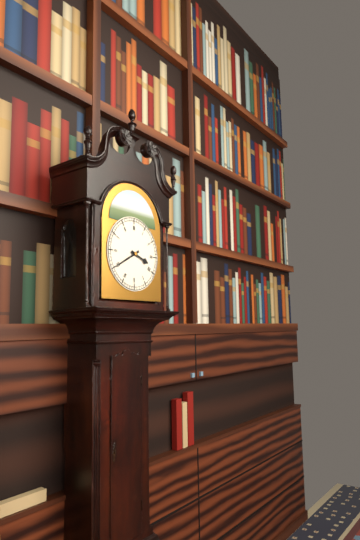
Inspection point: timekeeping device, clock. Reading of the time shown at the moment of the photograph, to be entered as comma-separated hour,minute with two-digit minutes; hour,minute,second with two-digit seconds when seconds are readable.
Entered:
3,40
